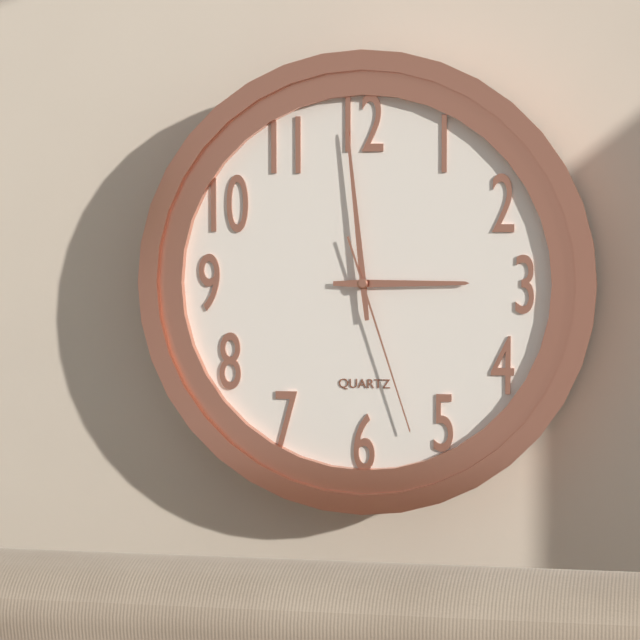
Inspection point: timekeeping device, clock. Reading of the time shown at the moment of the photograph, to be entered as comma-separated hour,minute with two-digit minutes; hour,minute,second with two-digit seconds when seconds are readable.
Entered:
2,59,27
